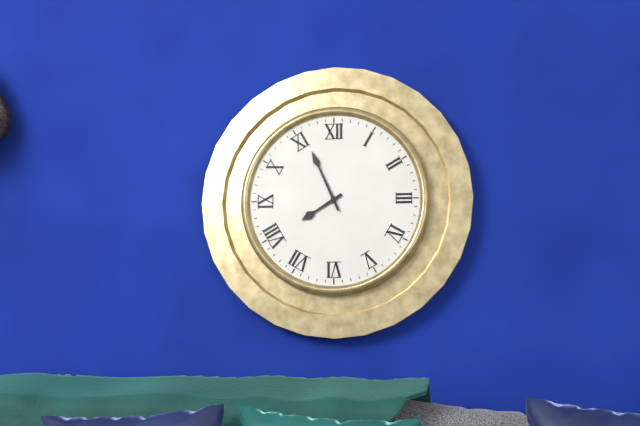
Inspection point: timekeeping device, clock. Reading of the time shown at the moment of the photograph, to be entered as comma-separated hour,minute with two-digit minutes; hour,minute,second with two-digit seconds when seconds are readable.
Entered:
7,56
